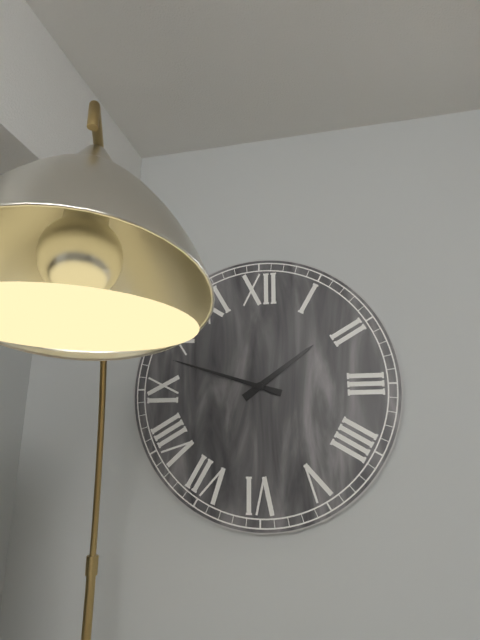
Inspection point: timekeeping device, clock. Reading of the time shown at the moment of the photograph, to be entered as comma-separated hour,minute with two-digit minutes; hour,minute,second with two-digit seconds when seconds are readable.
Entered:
1,48
